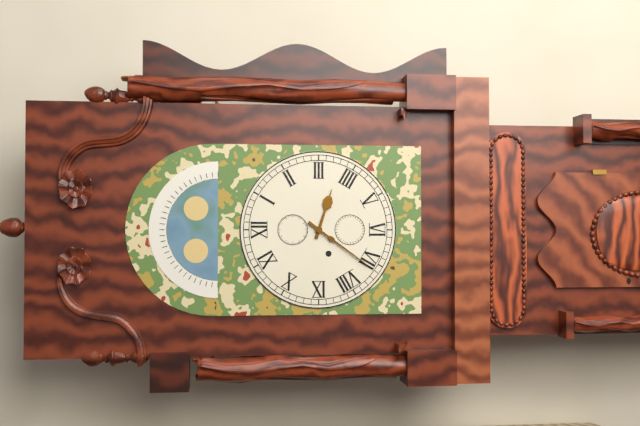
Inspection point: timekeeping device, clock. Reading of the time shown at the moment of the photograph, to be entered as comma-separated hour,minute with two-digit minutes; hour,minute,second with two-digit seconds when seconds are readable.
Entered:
3,36
